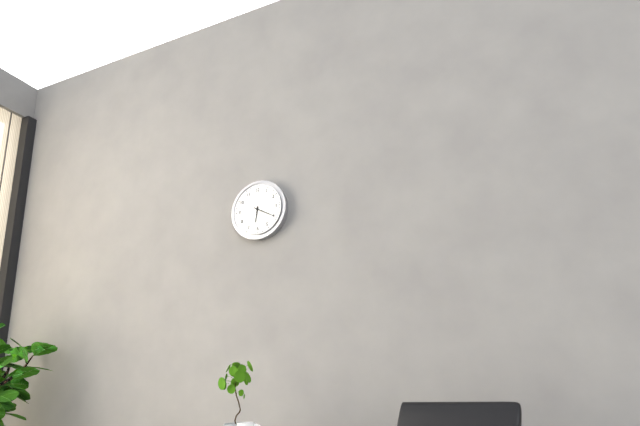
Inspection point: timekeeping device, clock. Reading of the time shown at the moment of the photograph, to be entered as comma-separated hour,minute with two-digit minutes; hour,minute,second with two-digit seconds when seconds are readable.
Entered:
6,20
